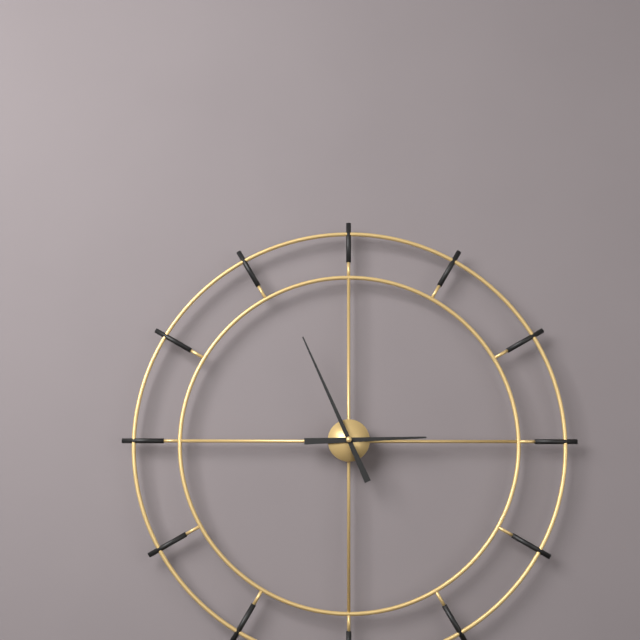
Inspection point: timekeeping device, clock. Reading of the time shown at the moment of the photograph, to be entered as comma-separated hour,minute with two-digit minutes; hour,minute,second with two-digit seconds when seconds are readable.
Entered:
2,56
